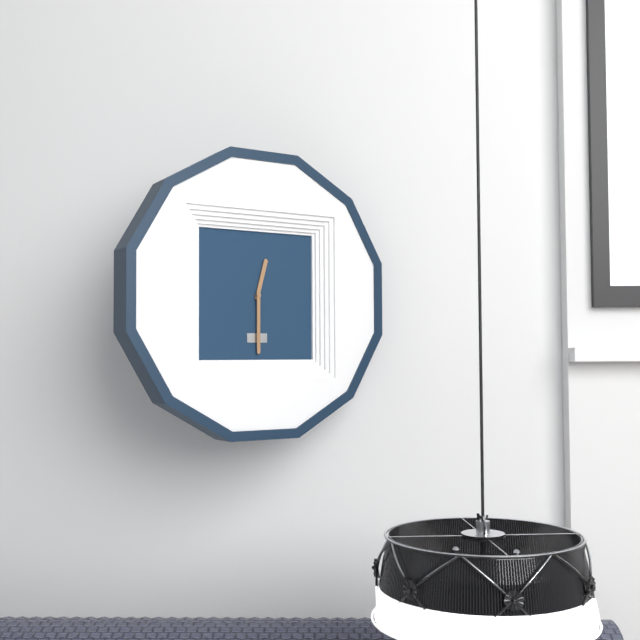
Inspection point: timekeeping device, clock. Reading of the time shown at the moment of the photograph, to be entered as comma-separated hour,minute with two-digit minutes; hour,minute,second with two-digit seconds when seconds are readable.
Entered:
12,30
